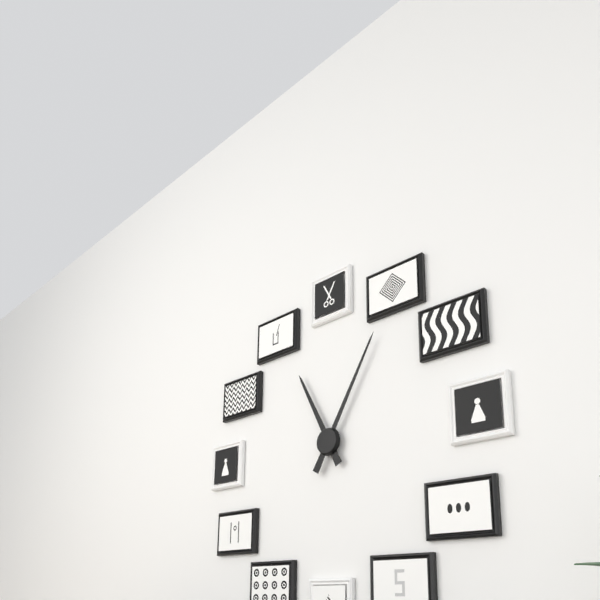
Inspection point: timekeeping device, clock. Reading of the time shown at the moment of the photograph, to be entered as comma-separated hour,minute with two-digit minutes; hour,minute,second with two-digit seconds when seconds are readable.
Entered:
11,05
